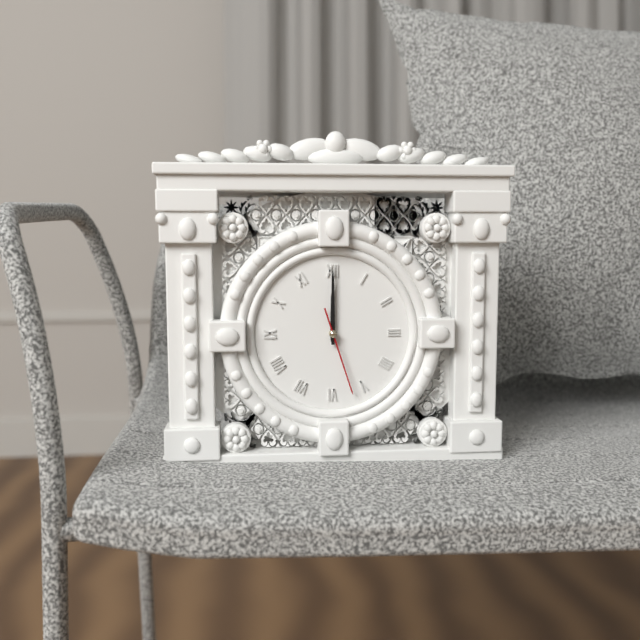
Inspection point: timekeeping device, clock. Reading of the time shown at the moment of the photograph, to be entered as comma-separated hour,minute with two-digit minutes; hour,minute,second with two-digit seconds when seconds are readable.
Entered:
12,00,27
